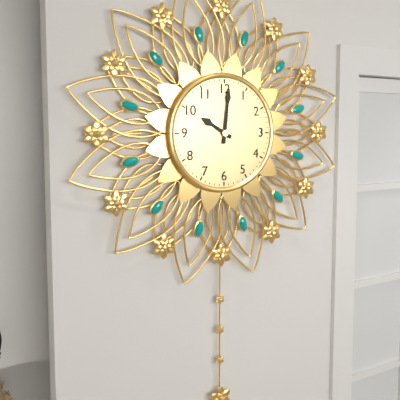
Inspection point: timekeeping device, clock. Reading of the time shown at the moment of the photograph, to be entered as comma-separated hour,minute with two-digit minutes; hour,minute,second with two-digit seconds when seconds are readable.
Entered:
10,01
